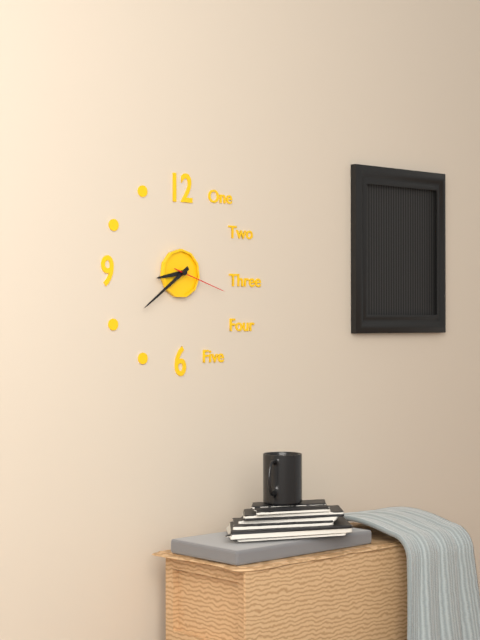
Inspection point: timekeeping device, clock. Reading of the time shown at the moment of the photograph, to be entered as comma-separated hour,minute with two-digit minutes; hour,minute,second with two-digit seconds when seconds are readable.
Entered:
8,39,18
